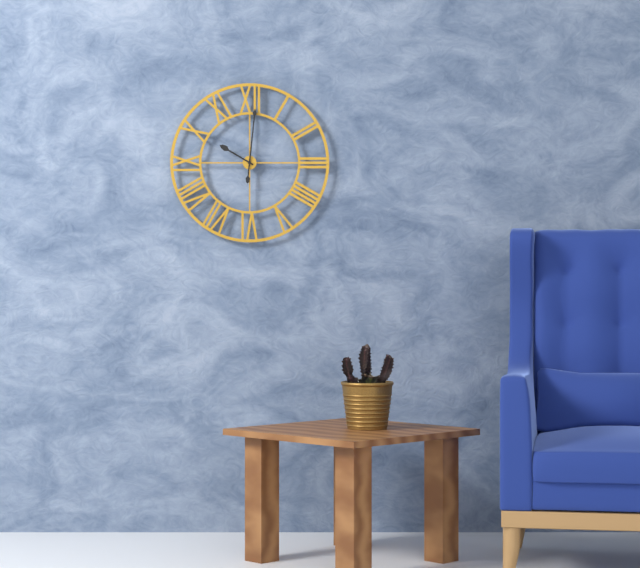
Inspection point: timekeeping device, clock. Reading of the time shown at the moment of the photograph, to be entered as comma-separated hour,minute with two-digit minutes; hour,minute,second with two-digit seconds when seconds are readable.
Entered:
10,01
